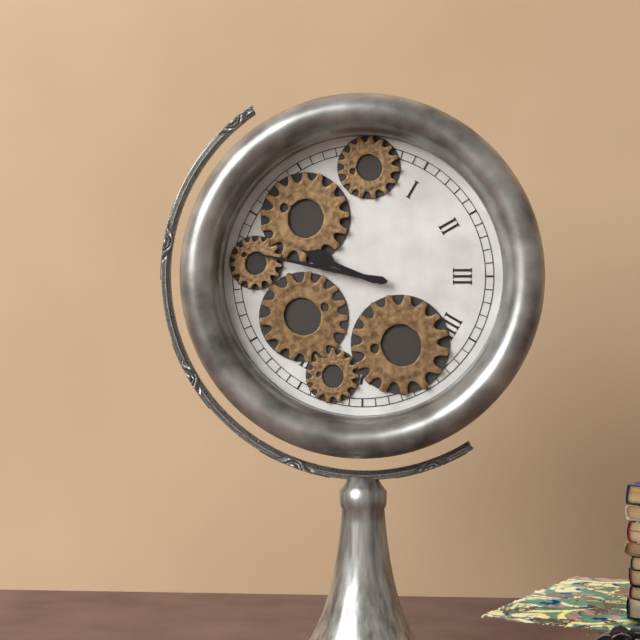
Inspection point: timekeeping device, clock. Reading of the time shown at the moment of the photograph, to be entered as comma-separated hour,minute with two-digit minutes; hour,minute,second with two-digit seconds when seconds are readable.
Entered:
9,47
